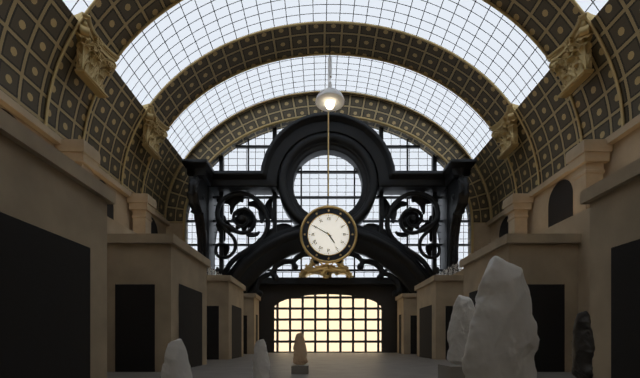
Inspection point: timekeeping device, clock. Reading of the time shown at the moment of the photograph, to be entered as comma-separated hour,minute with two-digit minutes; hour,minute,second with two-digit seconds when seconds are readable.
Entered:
4,50
